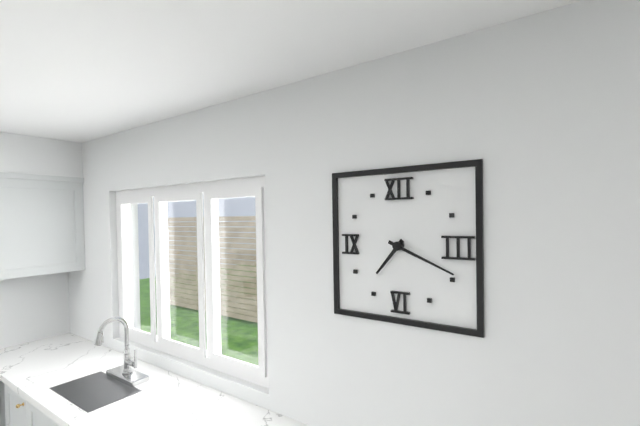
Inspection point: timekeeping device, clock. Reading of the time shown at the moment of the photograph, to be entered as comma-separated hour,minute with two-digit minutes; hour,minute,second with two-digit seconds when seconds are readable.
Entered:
7,19
